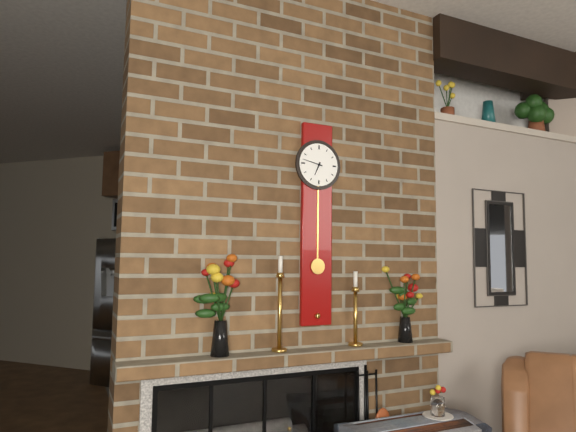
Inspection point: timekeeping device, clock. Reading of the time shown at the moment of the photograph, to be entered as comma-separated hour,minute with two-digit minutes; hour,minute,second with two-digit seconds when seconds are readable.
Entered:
6,47
